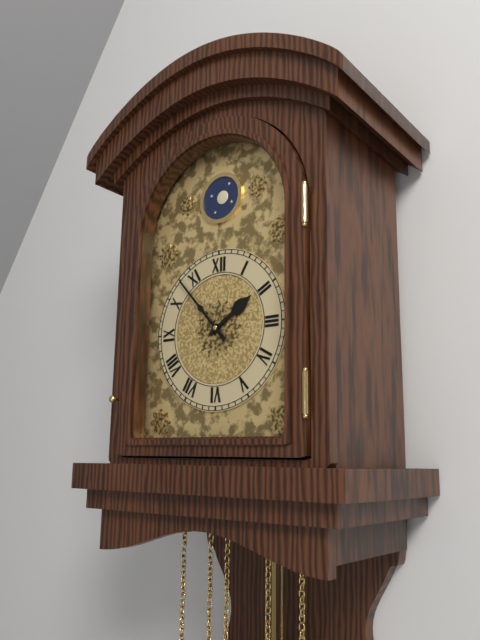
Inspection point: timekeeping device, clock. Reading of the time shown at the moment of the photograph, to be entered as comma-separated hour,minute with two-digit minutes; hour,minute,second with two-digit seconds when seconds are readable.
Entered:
1,53
